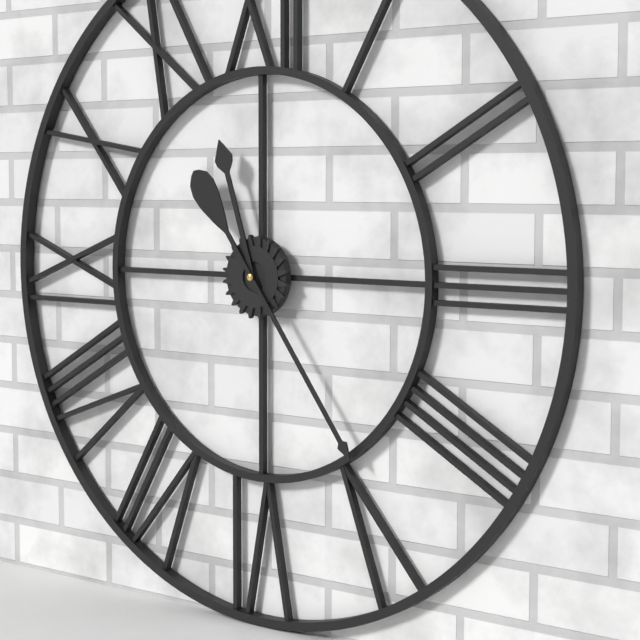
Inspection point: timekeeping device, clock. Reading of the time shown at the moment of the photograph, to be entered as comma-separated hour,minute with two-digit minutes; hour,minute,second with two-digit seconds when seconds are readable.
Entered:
11,24
